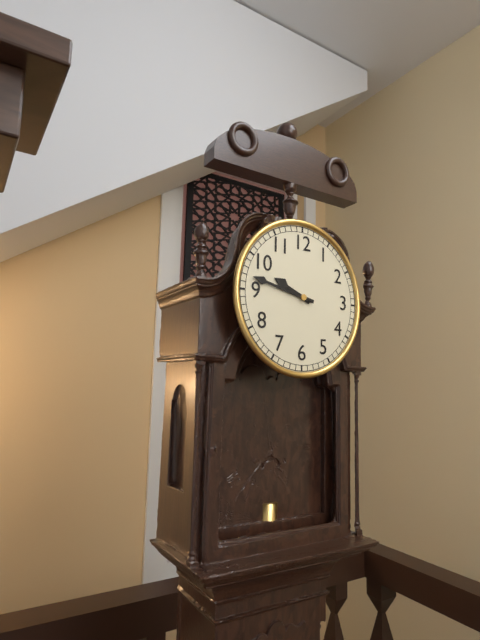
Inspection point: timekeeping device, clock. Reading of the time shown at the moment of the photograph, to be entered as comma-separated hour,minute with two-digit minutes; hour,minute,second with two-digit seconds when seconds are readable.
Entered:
9,47
